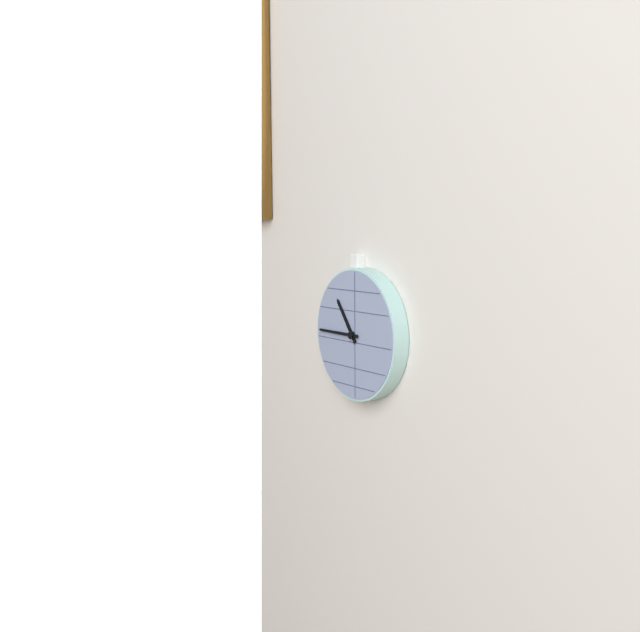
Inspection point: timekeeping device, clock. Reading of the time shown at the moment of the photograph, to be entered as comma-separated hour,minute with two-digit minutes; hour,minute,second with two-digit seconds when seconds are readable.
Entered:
10,45
